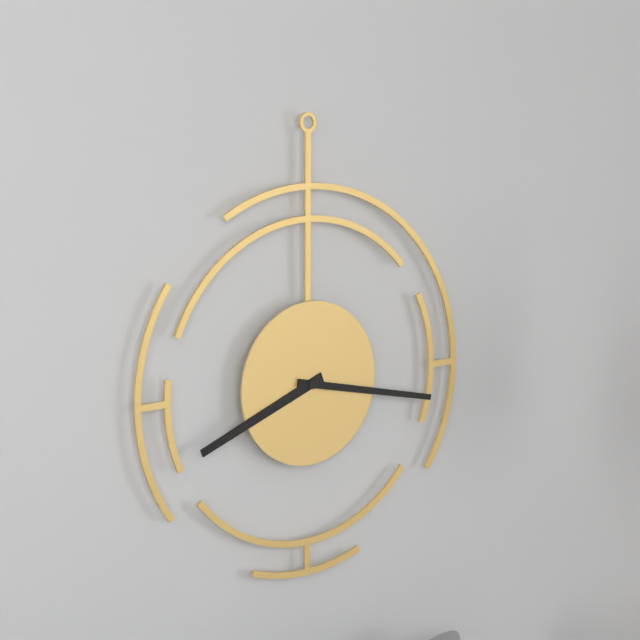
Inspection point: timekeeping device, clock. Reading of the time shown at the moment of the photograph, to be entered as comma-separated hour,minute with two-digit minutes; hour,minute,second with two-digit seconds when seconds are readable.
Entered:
8,17
